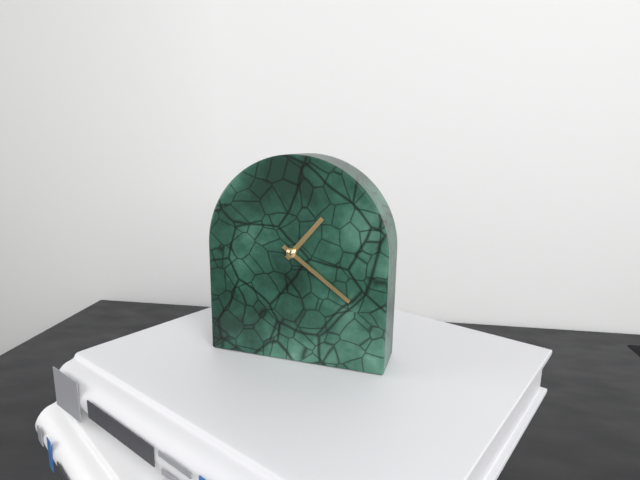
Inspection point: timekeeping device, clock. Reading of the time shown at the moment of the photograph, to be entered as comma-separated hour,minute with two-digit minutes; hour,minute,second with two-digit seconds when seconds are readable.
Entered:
1,21
